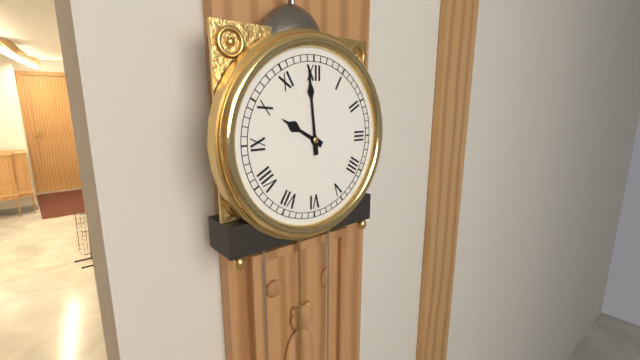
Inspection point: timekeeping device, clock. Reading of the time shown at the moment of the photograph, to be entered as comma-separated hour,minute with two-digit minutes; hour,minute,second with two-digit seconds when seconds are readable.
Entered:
9,59
